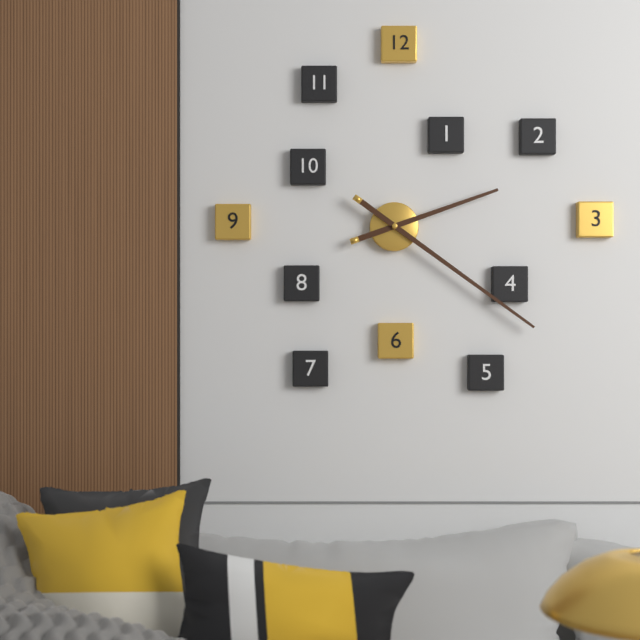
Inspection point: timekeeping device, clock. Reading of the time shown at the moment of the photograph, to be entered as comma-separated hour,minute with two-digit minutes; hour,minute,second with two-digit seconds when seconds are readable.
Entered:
2,21
